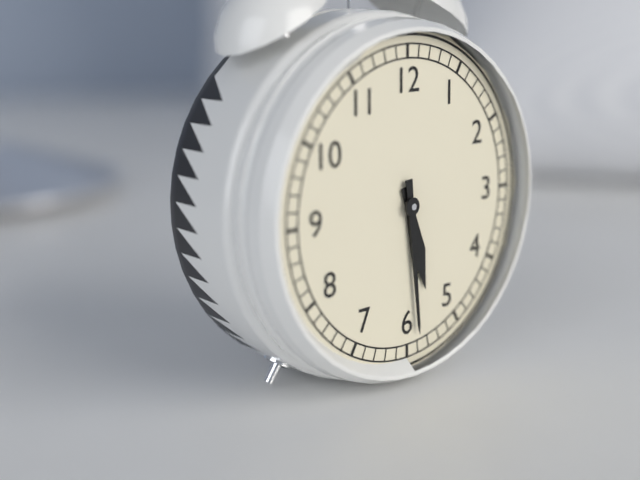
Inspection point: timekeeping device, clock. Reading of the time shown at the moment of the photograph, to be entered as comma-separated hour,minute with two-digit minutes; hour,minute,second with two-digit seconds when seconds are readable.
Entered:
5,29
